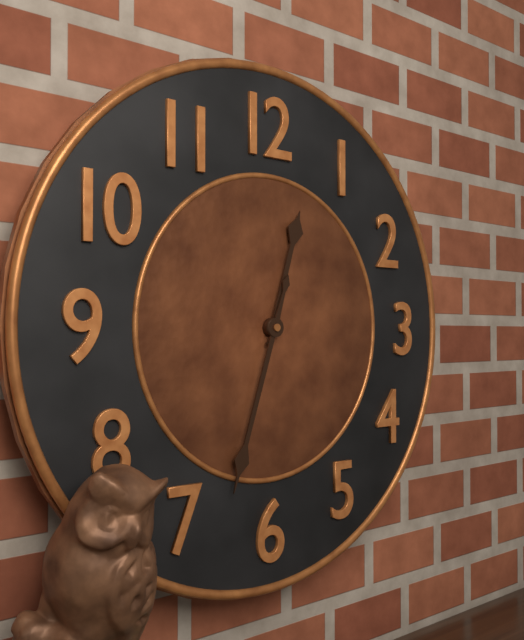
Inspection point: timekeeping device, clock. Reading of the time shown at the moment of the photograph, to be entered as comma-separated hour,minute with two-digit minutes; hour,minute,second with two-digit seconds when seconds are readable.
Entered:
12,33
